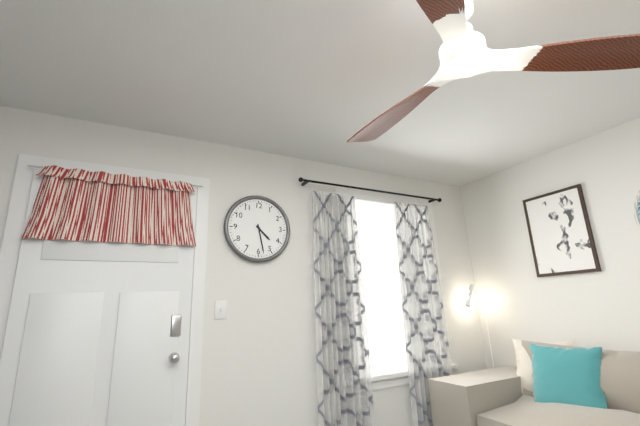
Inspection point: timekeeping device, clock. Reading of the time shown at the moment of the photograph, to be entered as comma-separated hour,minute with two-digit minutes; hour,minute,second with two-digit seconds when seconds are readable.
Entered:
4,28
